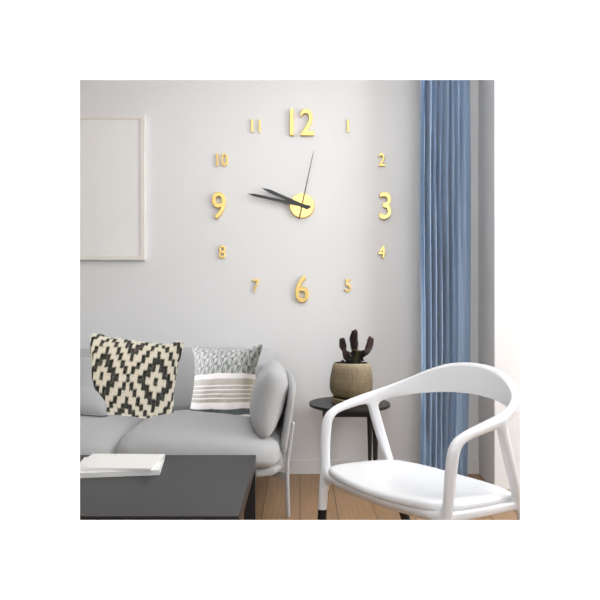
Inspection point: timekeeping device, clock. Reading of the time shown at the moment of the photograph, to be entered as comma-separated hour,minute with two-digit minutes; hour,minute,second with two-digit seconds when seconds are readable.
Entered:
9,47,02
